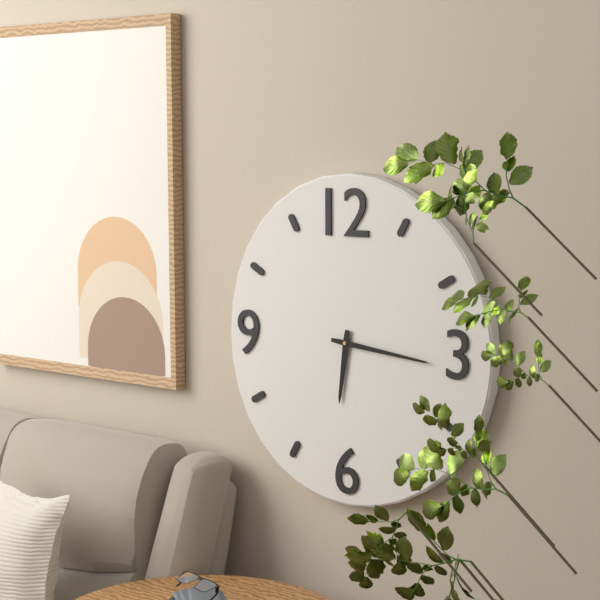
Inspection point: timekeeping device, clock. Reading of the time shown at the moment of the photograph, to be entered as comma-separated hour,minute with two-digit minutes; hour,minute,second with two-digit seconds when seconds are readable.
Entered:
6,16
